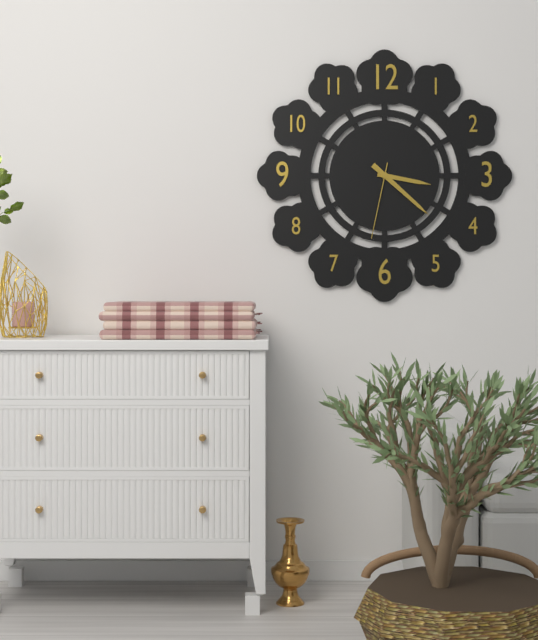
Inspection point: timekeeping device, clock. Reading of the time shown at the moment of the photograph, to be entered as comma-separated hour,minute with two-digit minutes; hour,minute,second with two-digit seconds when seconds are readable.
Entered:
3,22,32
